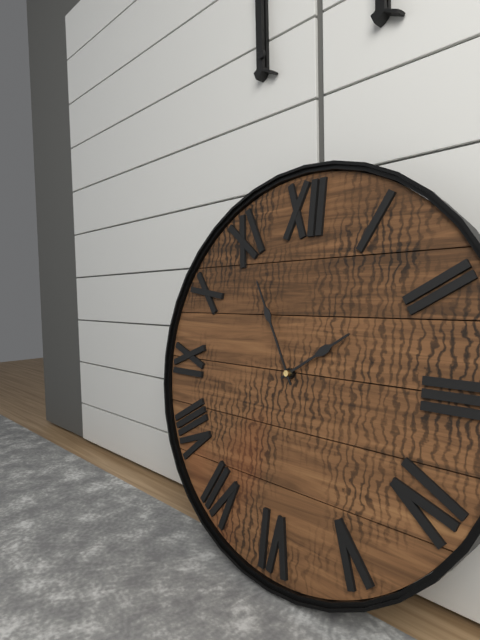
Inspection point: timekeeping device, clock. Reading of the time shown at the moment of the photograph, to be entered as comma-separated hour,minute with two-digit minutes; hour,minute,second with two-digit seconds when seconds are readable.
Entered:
1,55
